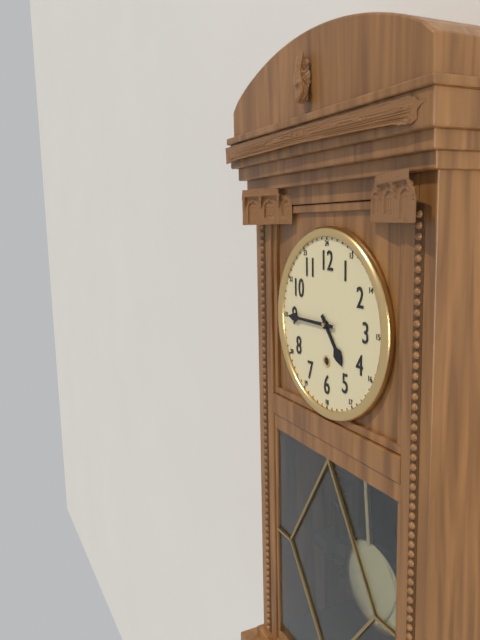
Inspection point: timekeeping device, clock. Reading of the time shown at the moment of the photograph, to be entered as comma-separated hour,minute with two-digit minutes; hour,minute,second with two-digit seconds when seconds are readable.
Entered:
4,45
